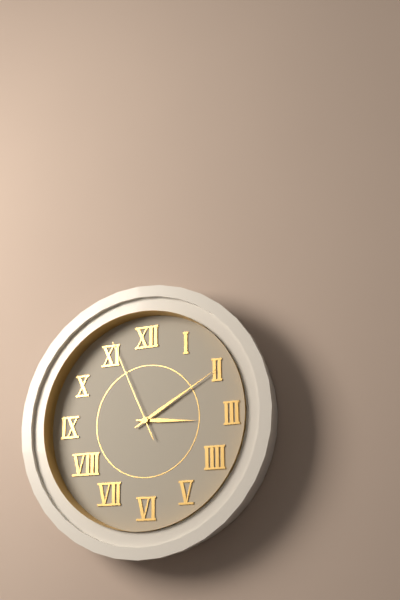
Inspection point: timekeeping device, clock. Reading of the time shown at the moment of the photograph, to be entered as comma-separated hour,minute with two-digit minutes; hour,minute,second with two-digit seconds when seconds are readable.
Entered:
3,10,56
